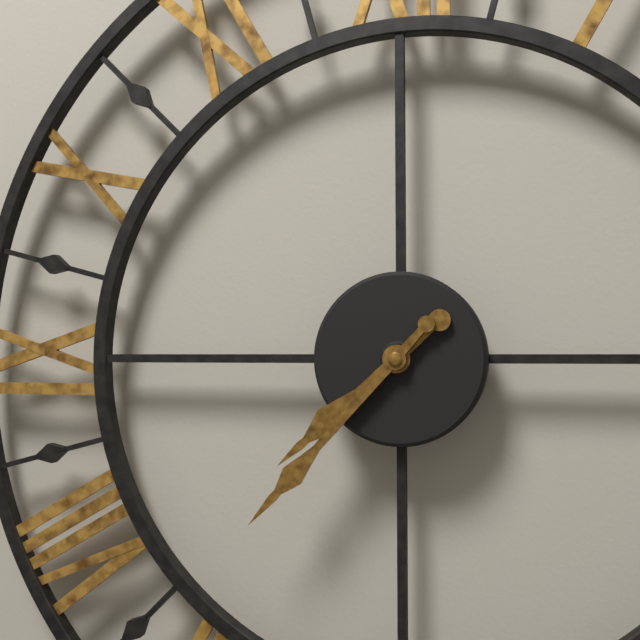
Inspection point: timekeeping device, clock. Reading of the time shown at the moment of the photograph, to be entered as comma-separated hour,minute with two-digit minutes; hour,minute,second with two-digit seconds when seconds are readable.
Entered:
7,37
